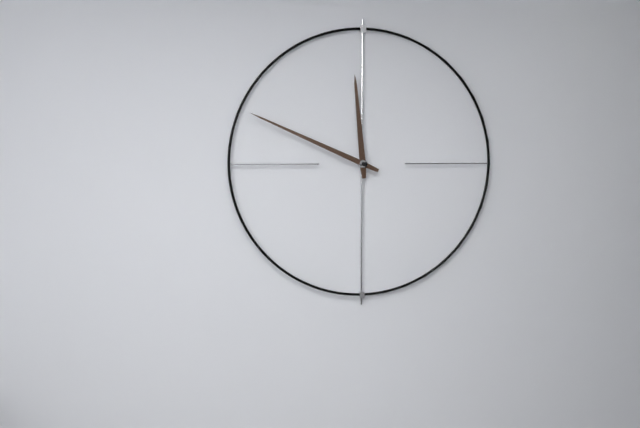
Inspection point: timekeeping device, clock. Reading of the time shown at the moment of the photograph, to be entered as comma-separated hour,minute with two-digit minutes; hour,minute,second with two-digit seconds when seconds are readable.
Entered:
11,49
